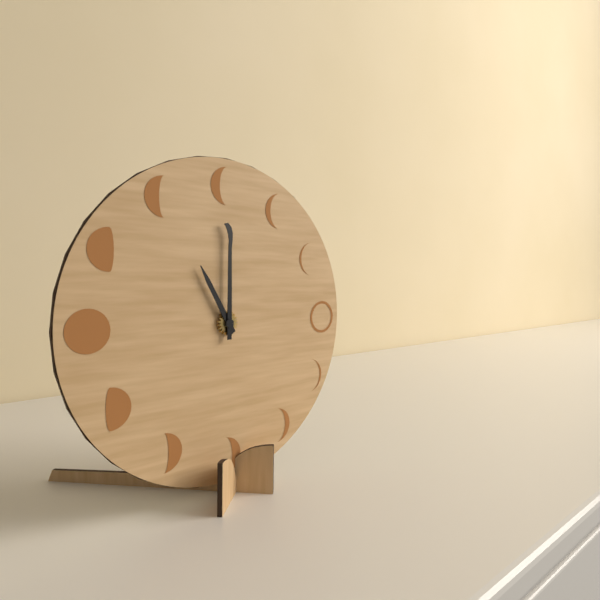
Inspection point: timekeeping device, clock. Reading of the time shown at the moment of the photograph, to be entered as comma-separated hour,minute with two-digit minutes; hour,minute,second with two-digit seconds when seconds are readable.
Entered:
11,00
